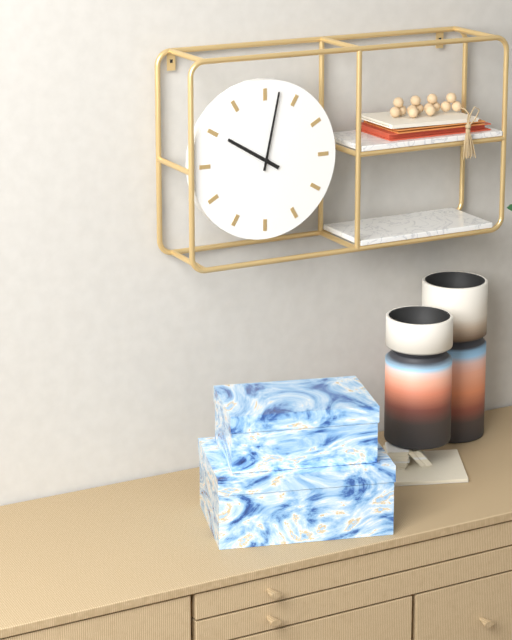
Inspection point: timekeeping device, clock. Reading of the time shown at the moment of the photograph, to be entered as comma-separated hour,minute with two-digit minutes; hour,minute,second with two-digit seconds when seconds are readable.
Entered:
10,02
